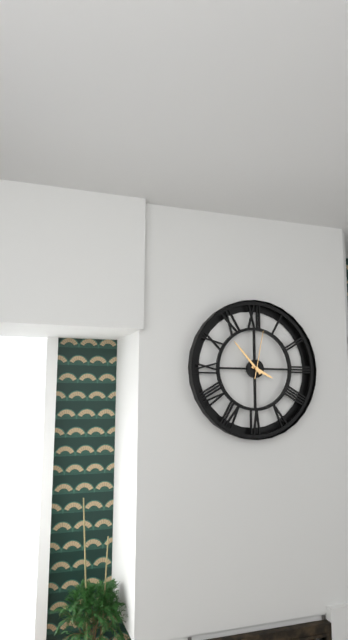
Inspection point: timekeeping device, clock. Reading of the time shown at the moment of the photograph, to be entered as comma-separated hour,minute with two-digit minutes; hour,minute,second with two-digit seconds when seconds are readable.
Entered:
3,53
